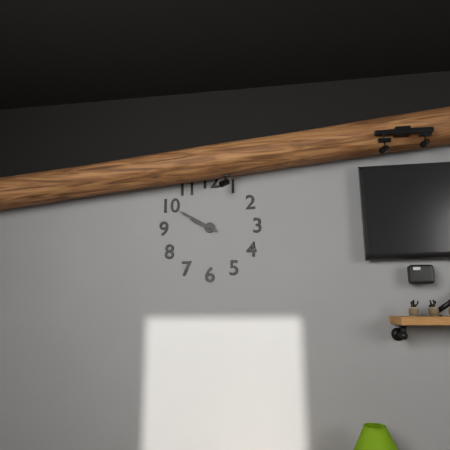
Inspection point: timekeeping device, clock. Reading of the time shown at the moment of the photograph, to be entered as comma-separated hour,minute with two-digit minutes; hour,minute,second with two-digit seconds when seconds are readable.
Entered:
9,50
